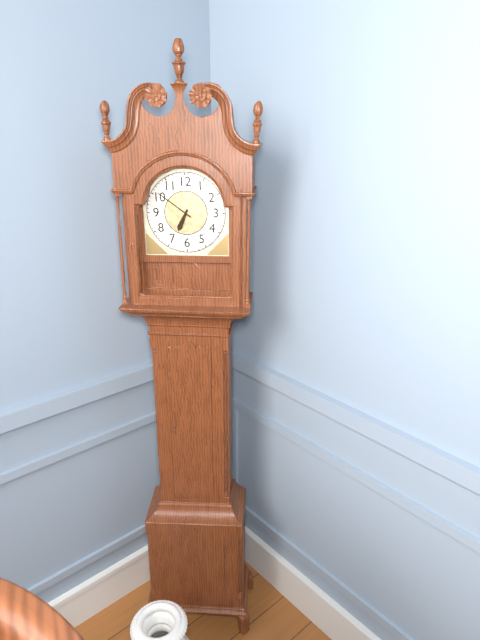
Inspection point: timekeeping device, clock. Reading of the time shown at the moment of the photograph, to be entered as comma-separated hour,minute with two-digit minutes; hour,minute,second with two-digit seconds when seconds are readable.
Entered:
6,51
